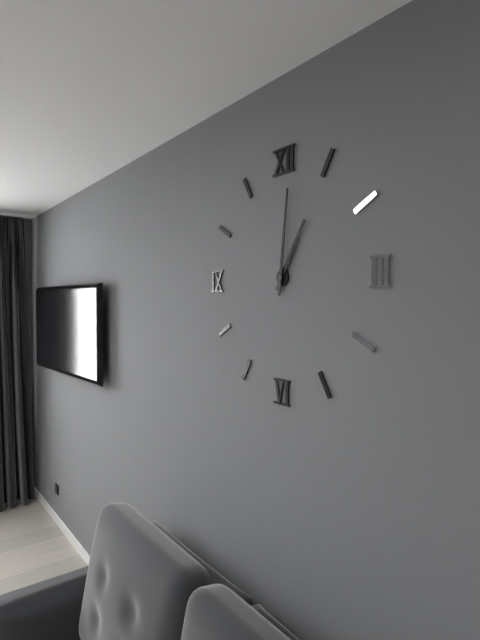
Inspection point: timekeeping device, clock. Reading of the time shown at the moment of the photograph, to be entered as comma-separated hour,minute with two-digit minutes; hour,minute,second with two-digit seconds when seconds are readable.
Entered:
1,01
